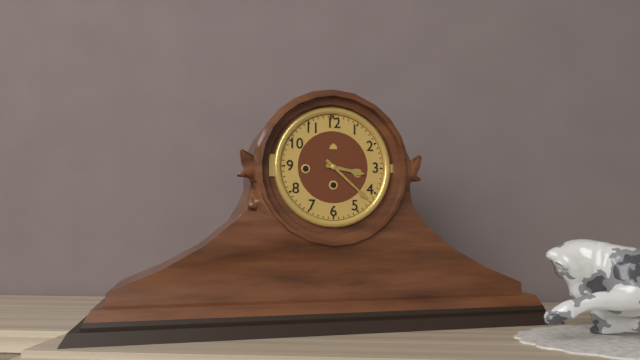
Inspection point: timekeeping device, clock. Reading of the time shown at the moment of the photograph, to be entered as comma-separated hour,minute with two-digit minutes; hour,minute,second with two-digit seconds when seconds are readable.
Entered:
3,22
